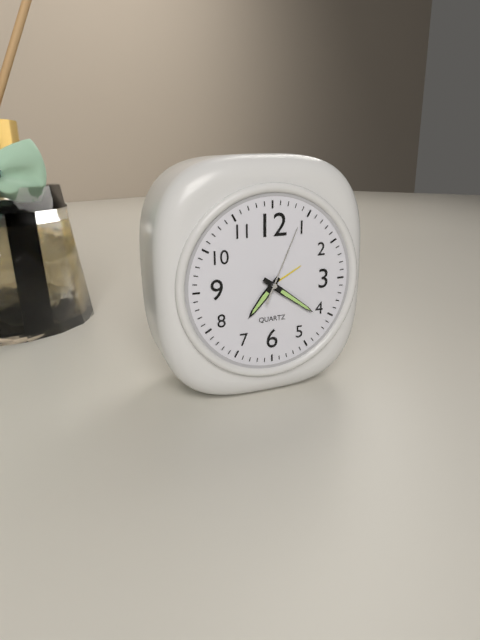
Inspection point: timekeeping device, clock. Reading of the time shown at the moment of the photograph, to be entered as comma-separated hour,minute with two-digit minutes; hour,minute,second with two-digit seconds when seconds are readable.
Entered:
7,21,04
